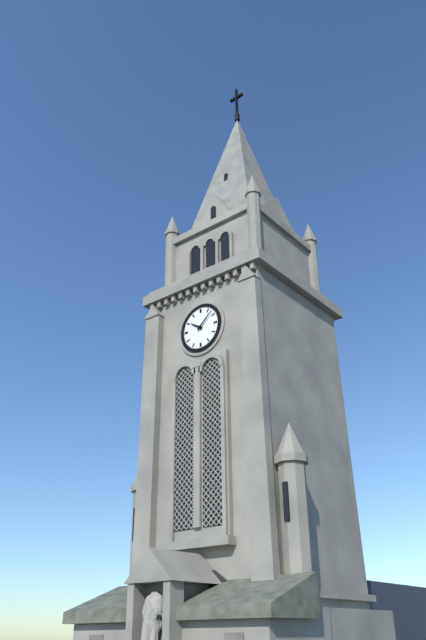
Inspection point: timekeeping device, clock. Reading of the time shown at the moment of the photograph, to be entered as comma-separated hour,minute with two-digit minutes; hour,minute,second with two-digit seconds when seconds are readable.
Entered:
10,08
